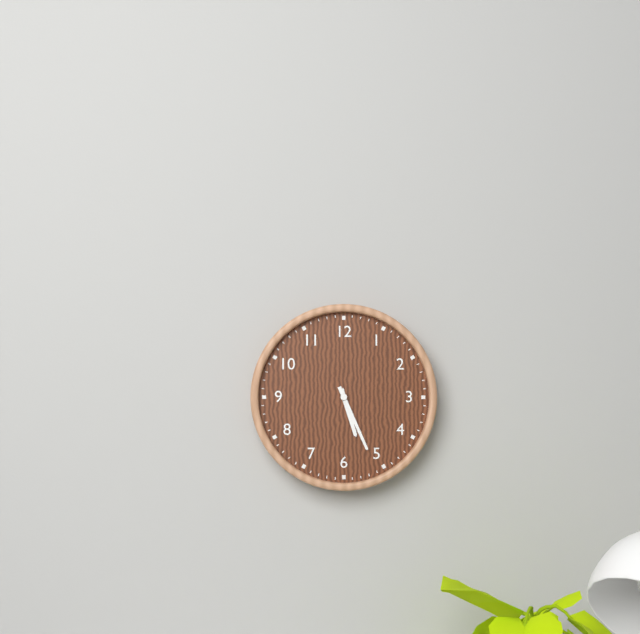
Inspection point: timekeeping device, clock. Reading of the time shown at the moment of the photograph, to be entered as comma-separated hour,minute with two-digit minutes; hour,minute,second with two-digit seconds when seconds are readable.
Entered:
5,26
